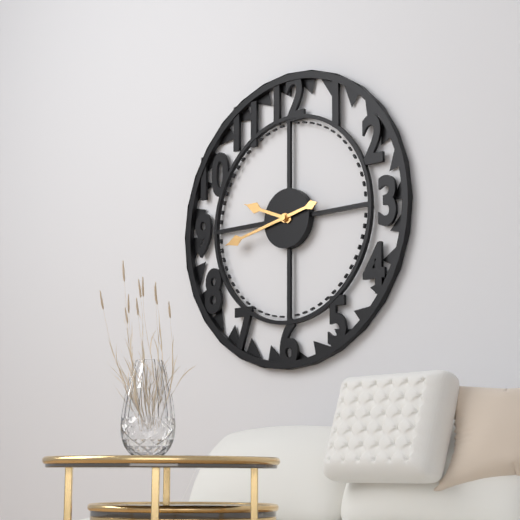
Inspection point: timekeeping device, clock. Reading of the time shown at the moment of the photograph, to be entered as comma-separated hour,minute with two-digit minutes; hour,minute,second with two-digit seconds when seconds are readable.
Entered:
9,43
